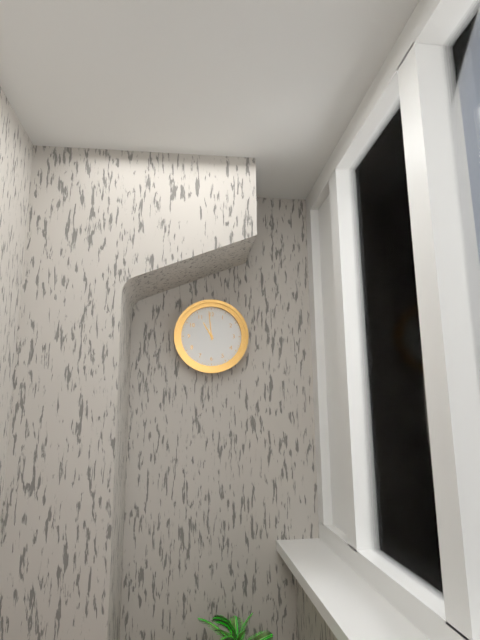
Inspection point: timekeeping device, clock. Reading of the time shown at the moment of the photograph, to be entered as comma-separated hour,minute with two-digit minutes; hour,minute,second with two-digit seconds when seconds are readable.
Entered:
10,59
